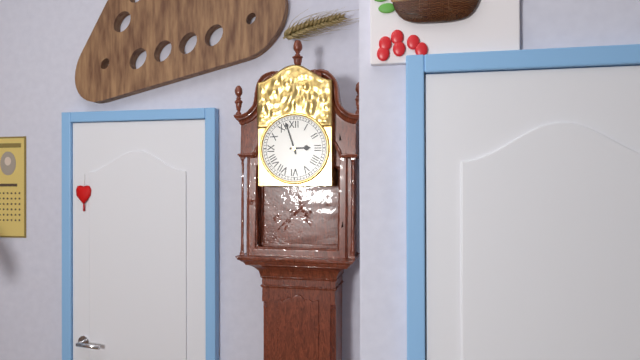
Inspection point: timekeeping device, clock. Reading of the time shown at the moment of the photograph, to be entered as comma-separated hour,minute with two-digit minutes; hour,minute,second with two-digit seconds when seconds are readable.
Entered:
2,57
